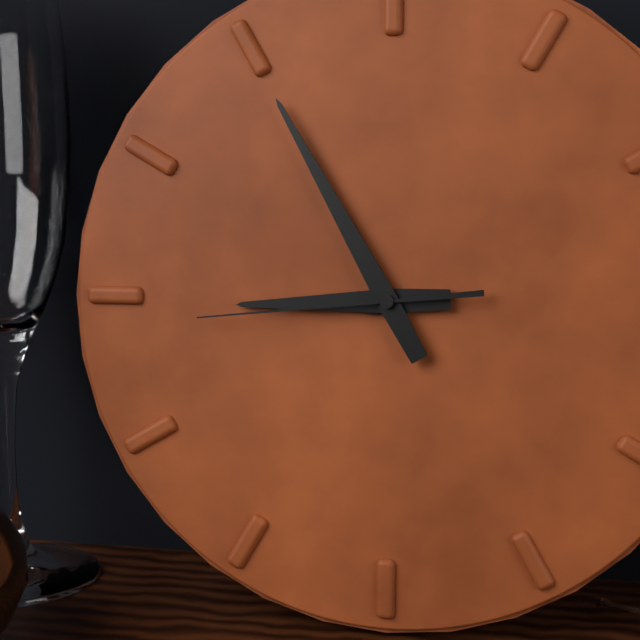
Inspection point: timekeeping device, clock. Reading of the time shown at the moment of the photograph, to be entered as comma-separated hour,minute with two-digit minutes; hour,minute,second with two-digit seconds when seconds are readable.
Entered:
8,55,44
